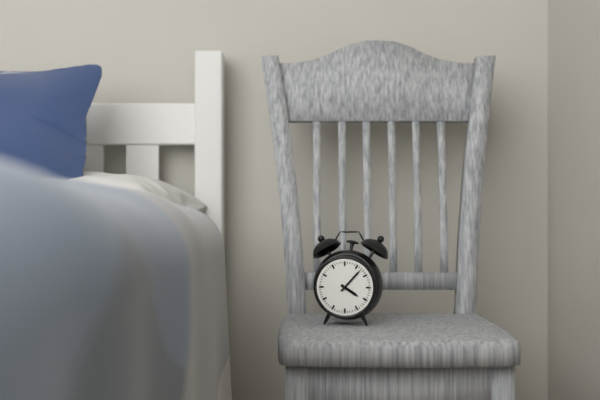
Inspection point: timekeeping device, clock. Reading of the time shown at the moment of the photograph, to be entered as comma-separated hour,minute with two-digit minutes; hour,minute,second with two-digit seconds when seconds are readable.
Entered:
4,07
